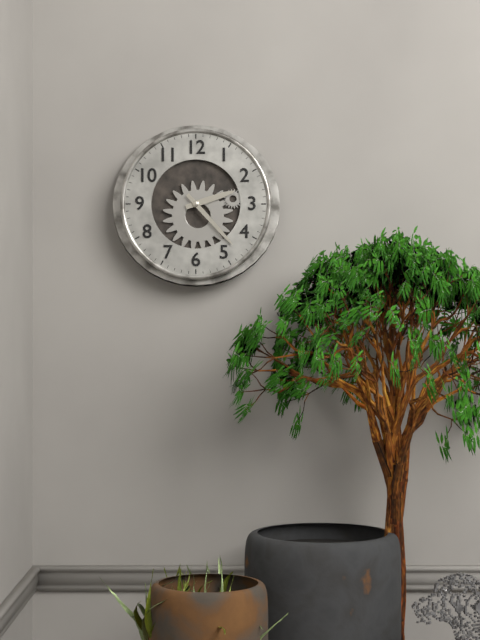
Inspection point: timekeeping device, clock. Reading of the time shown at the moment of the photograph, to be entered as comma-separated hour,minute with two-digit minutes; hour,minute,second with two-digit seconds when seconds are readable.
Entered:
2,23
